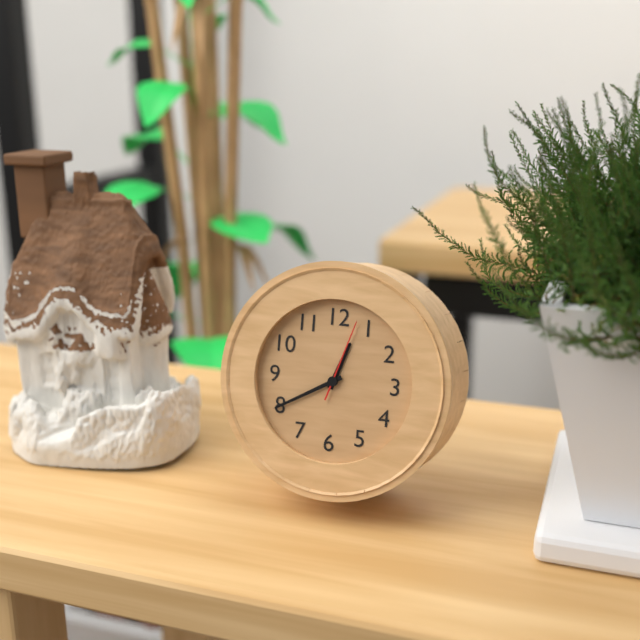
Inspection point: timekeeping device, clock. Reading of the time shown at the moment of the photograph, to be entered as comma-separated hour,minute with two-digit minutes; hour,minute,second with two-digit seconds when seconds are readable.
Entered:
12,40,03
